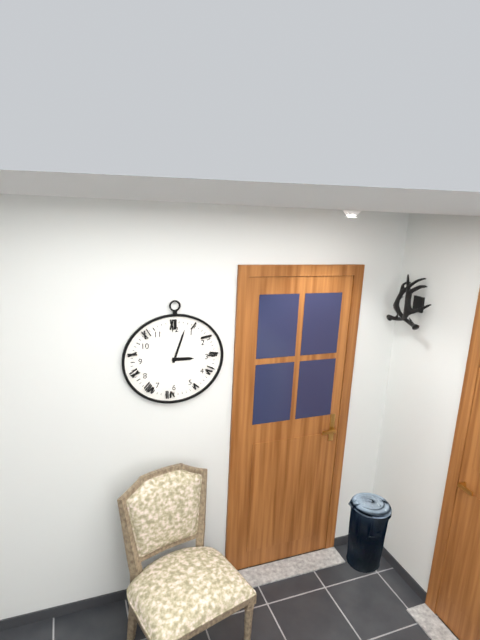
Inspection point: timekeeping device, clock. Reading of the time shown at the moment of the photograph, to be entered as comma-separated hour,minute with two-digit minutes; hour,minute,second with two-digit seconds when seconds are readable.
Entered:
3,03
